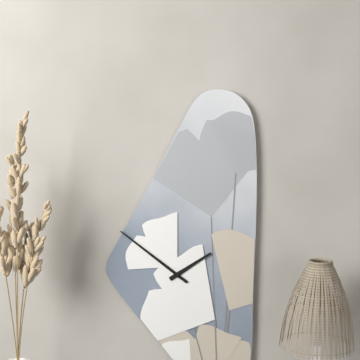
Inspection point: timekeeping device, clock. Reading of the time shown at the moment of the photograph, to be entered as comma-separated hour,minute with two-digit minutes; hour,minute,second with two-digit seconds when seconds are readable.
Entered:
1,51
